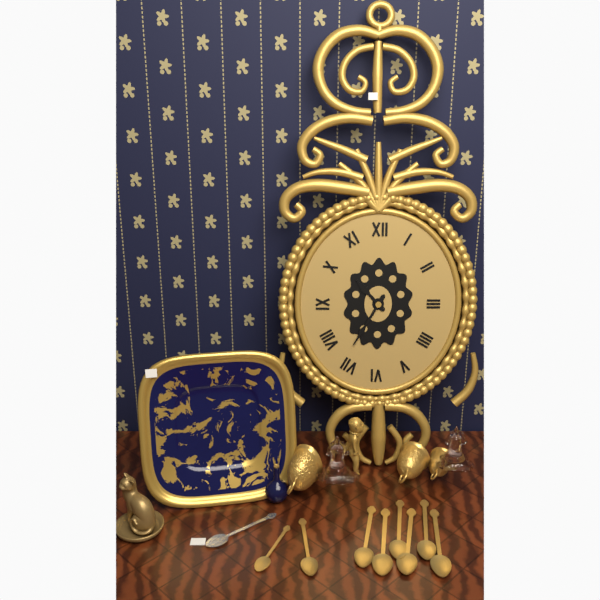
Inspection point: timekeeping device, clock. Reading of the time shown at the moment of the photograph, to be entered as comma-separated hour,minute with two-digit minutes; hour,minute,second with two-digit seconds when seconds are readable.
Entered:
10,35
